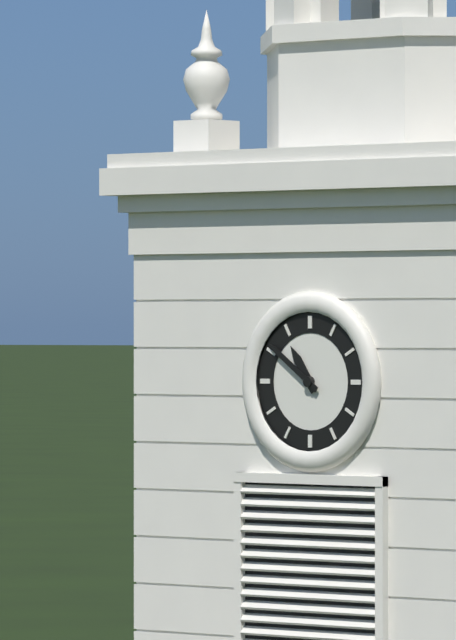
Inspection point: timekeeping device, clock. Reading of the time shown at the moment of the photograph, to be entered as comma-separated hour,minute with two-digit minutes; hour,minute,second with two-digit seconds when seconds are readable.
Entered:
10,51
